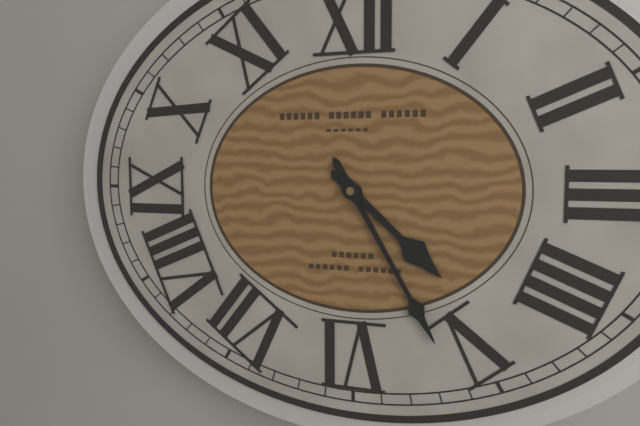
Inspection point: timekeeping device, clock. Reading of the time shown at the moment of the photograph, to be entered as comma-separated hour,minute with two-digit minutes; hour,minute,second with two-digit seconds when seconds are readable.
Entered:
4,25
